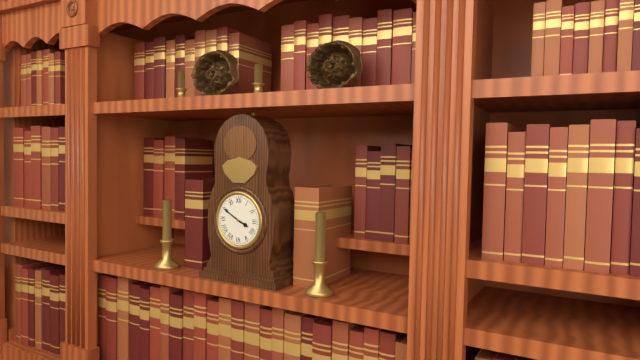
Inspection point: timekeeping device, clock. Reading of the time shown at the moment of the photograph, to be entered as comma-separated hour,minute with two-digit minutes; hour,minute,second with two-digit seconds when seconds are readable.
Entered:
3,50
